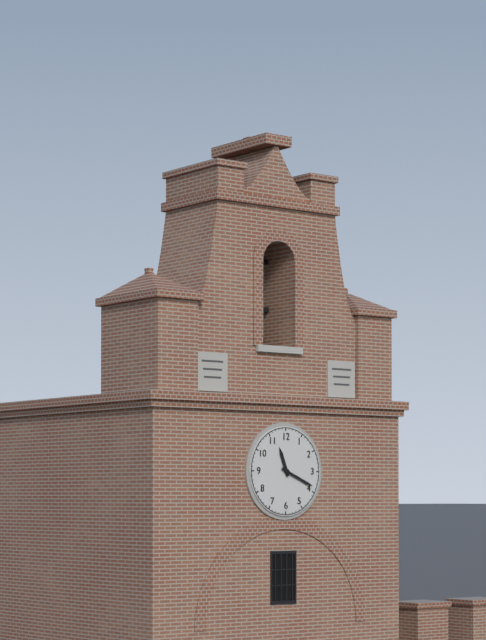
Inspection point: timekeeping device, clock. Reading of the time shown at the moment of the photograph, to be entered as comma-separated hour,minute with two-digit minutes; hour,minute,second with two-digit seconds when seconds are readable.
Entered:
11,19
